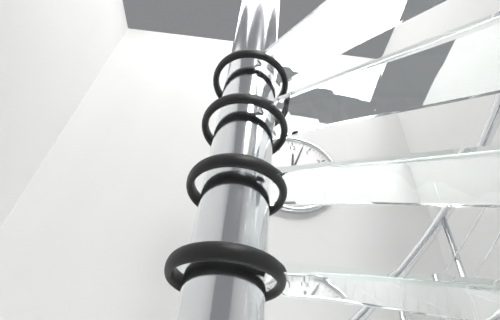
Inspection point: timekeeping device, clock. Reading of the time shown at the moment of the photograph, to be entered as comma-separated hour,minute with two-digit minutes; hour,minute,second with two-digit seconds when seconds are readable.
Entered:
12,03
